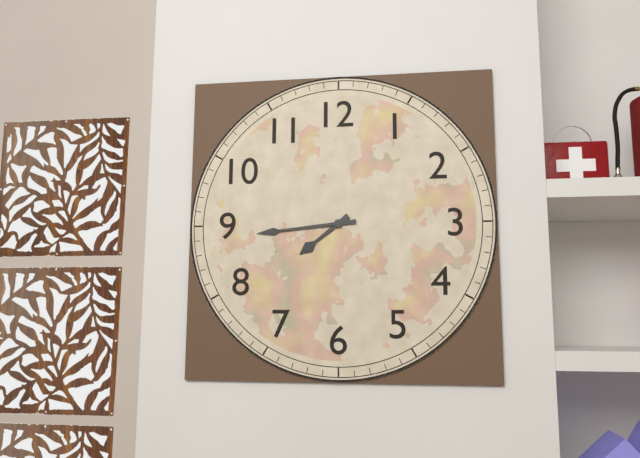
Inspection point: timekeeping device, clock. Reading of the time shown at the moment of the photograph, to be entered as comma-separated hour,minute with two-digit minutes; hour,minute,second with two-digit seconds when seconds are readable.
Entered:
7,44
